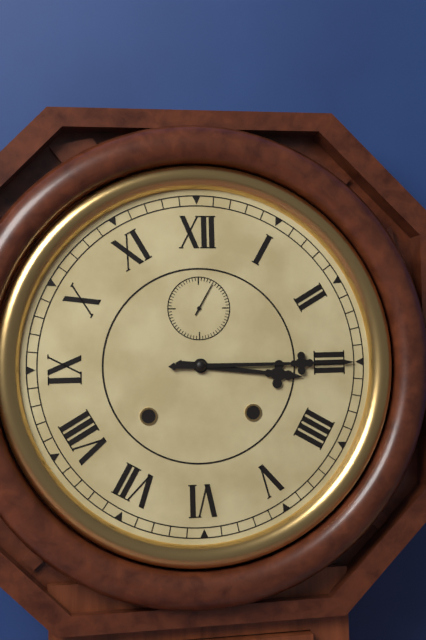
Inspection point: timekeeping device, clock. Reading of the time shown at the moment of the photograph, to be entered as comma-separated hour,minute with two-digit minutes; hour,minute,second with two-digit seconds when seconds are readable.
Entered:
3,15
